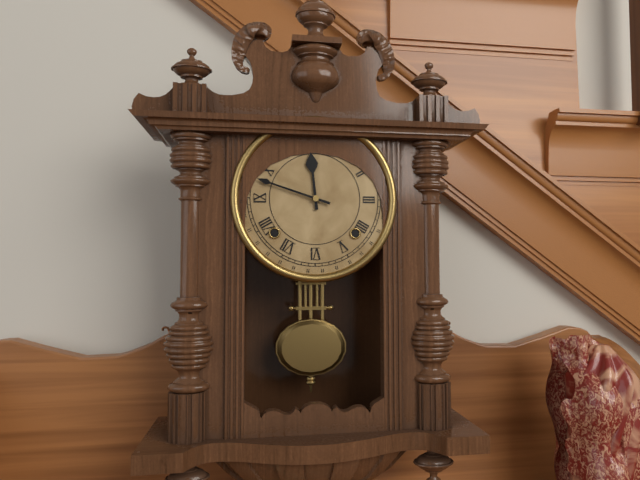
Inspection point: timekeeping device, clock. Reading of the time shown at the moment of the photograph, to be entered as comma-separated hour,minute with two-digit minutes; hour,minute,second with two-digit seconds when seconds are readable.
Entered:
11,48
